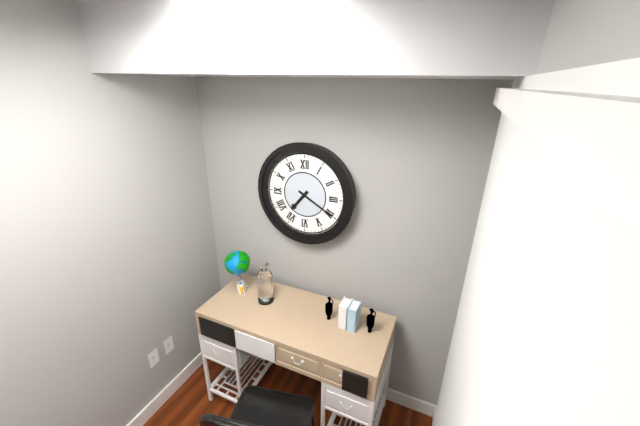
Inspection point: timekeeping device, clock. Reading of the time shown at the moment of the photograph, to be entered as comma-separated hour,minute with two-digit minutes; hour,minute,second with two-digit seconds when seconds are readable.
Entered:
7,20
